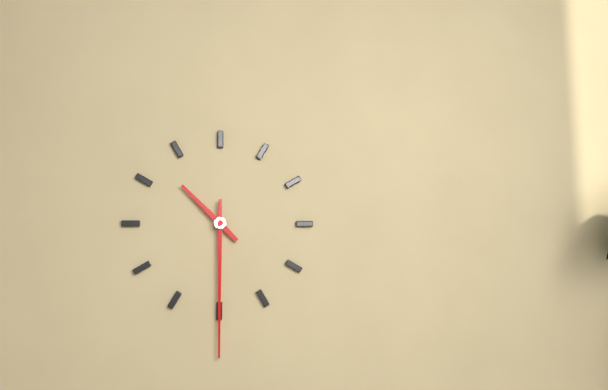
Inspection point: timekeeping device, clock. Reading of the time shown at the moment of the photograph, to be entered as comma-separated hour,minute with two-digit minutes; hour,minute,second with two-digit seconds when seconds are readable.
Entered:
10,30
